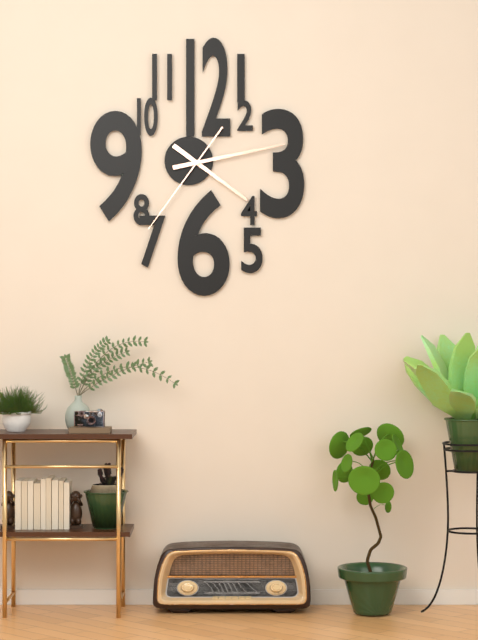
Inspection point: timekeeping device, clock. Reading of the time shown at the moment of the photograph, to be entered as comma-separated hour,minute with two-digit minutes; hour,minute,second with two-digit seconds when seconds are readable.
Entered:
4,13,36
